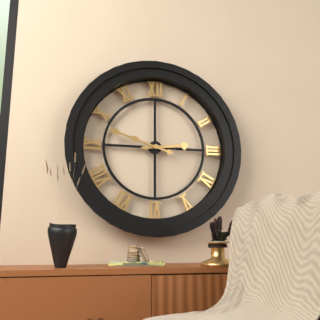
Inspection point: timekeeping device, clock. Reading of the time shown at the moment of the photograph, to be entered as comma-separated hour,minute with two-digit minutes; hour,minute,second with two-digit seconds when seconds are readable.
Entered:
2,48
